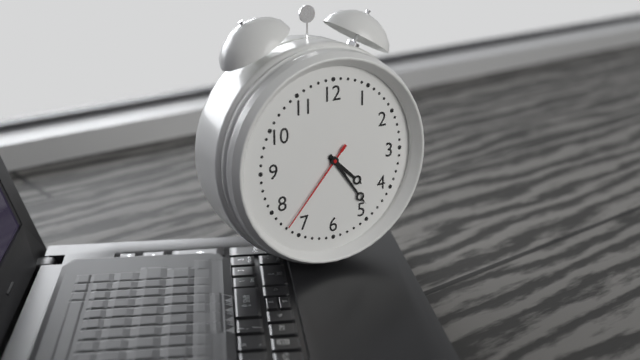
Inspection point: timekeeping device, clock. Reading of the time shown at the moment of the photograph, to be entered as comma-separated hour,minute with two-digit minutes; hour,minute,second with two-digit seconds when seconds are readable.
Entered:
4,24,37
